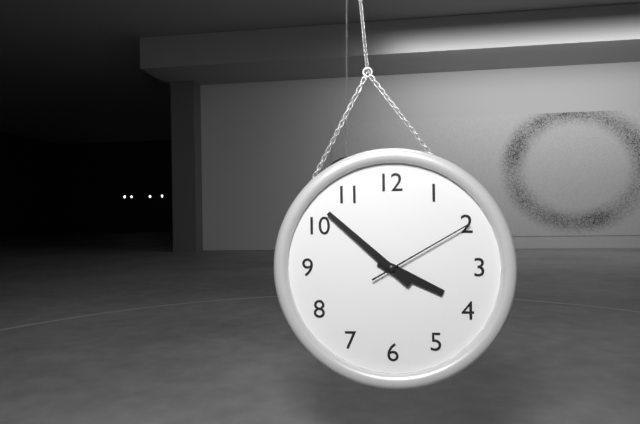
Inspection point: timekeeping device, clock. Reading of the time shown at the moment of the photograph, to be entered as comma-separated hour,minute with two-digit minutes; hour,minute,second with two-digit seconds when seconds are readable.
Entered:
3,52,10
